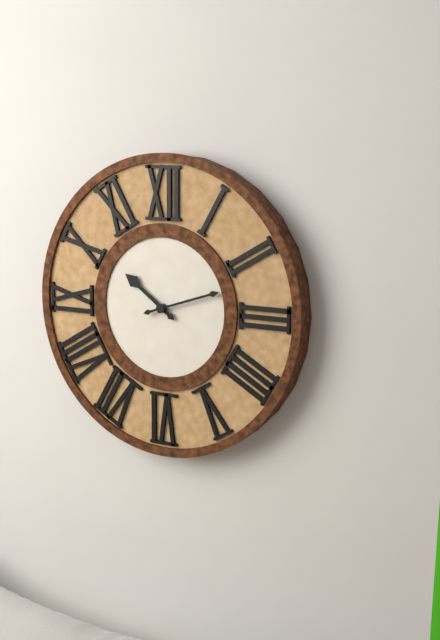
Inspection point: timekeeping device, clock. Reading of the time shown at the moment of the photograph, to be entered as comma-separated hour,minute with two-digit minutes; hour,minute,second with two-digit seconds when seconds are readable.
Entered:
10,12
